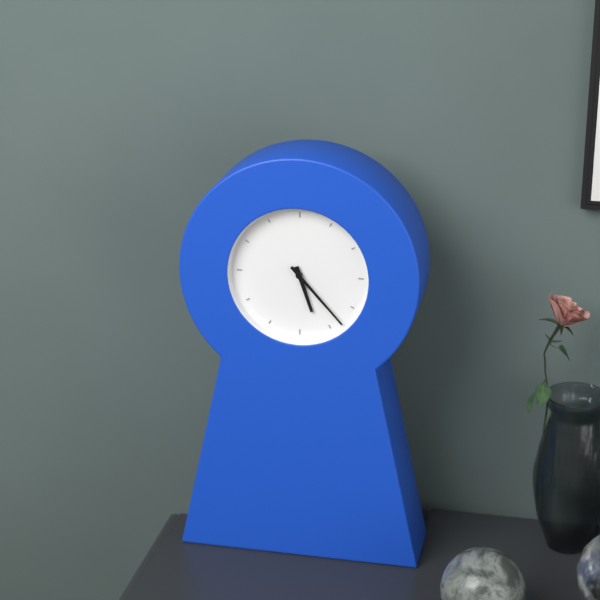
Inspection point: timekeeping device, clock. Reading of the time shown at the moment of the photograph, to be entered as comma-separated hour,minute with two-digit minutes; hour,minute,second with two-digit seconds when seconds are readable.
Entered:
5,23
